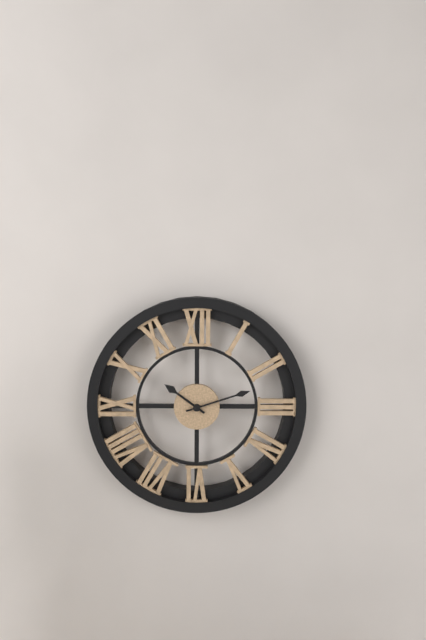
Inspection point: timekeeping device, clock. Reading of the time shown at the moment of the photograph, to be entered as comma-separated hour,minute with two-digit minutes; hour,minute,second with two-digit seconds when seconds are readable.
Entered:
10,12
